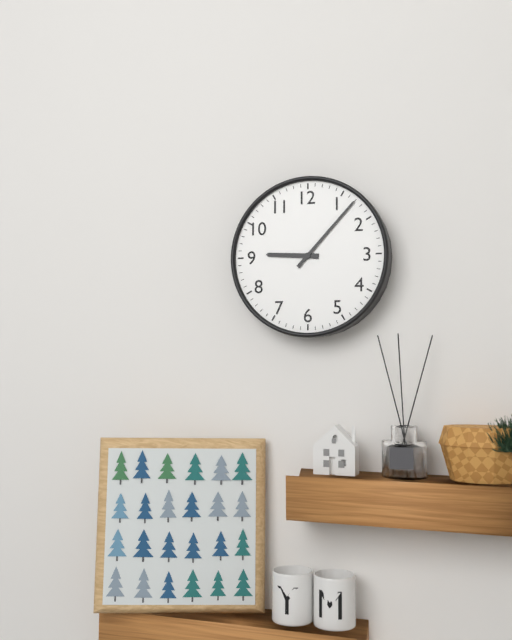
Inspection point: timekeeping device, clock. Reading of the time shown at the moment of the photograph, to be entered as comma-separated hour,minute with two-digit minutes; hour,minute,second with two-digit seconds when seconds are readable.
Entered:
9,07
